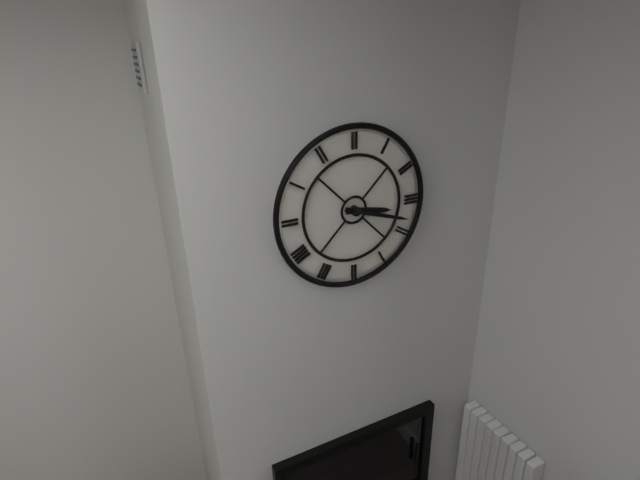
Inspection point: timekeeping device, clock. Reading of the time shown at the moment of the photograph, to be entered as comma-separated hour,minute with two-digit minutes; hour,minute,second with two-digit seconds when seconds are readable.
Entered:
3,18
